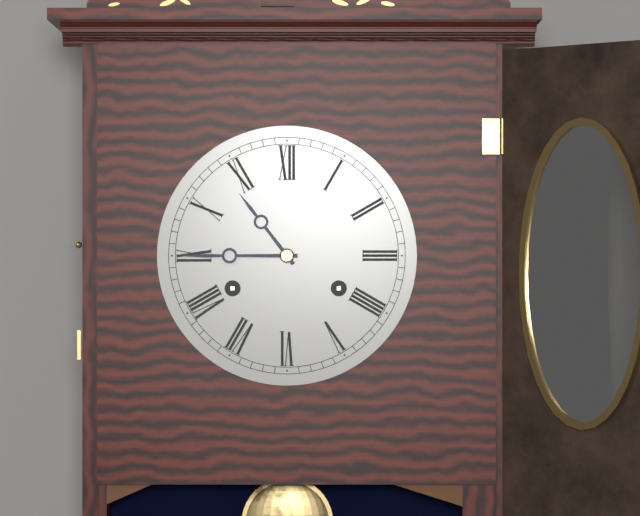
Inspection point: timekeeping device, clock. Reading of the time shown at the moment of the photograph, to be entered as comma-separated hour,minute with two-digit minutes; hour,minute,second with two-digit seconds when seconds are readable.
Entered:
10,45
